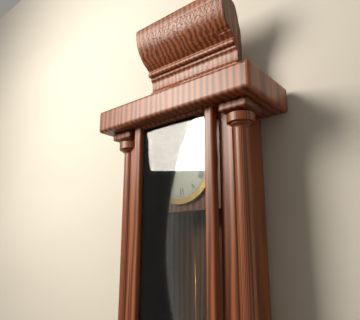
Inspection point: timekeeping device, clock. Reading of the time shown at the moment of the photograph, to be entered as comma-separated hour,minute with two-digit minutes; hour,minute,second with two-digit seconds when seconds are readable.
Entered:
12,46
